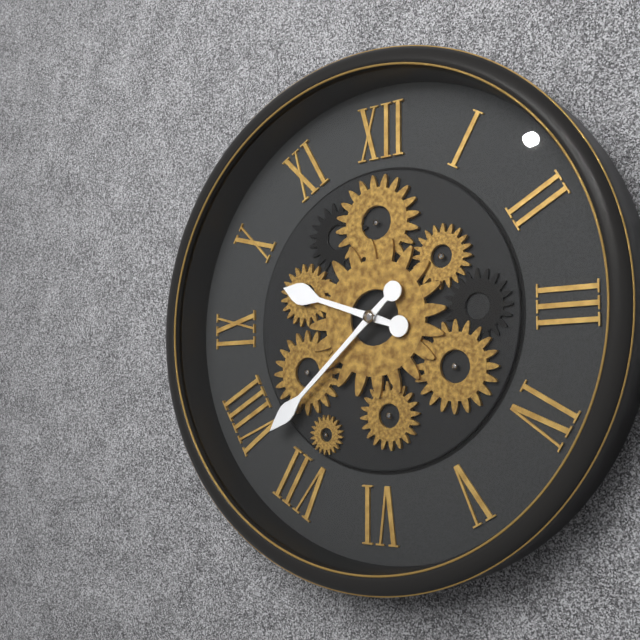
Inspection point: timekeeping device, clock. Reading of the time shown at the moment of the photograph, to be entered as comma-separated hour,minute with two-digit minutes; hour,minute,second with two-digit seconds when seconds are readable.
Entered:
9,38
